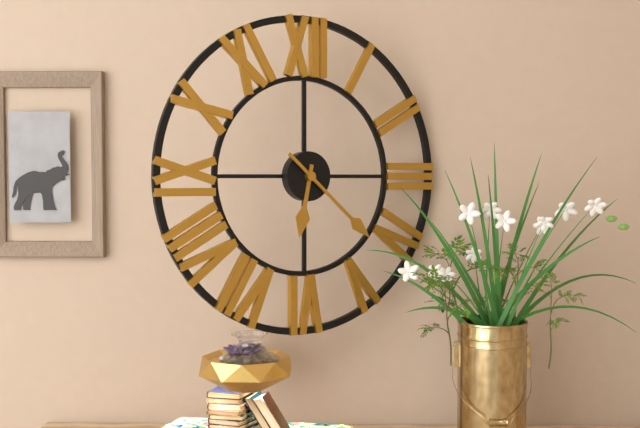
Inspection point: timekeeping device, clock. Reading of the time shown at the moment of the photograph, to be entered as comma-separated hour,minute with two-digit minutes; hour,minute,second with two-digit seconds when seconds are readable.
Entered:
6,22
